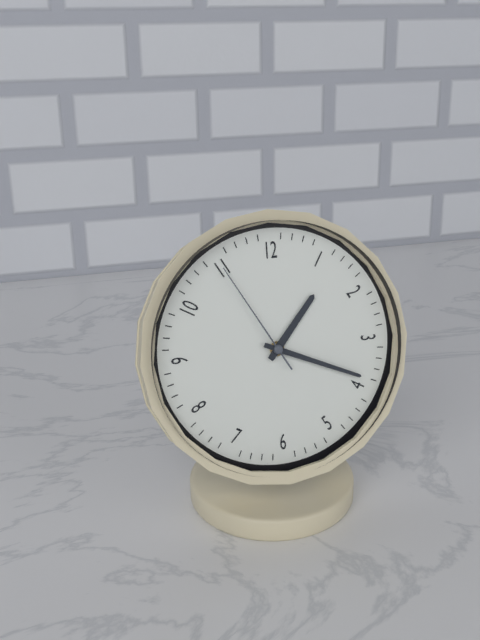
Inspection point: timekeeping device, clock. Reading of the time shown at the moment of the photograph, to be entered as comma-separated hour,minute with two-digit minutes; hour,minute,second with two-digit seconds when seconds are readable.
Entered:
1,19,55
